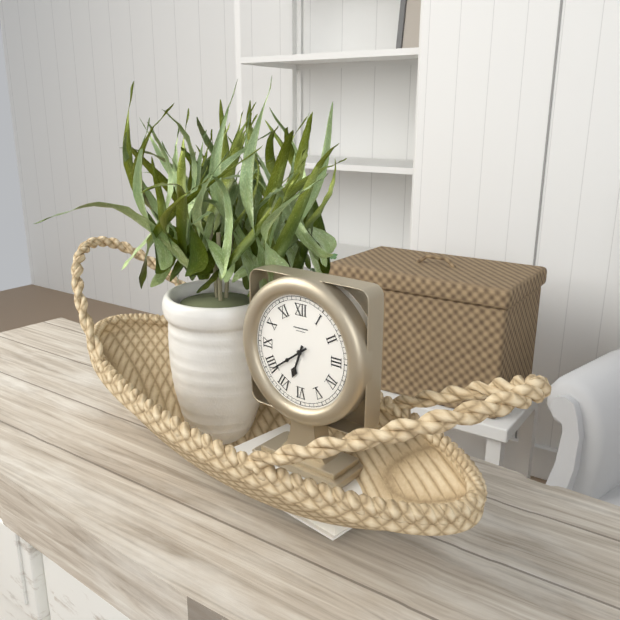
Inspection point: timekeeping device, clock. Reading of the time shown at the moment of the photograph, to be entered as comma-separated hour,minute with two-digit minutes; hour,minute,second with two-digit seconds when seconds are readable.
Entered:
6,39
